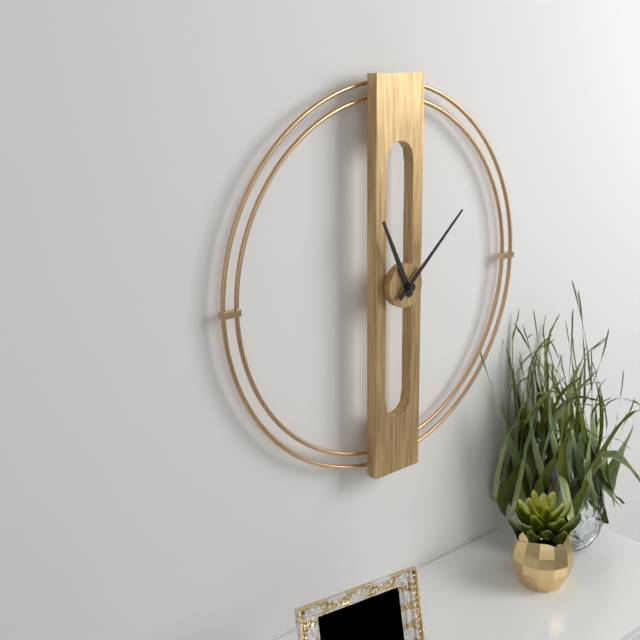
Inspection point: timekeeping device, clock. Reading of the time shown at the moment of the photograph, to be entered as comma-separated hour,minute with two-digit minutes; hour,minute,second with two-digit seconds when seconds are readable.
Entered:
11,08
